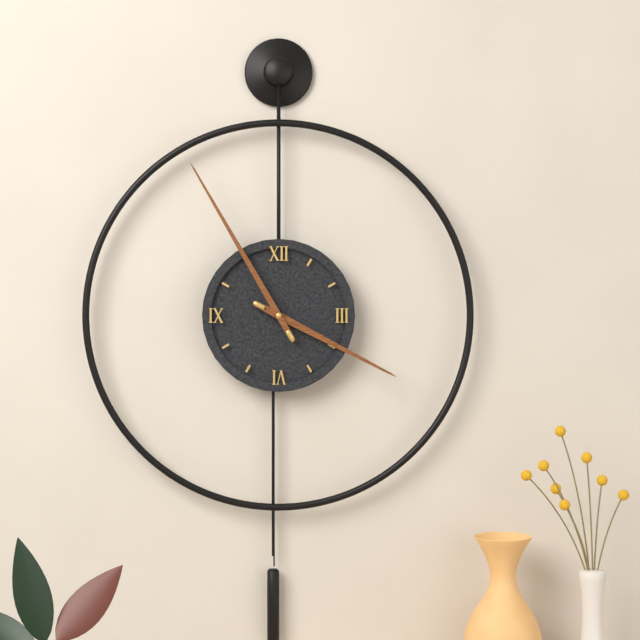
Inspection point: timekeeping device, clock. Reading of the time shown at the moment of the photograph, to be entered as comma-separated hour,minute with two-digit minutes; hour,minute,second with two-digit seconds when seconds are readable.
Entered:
3,55
